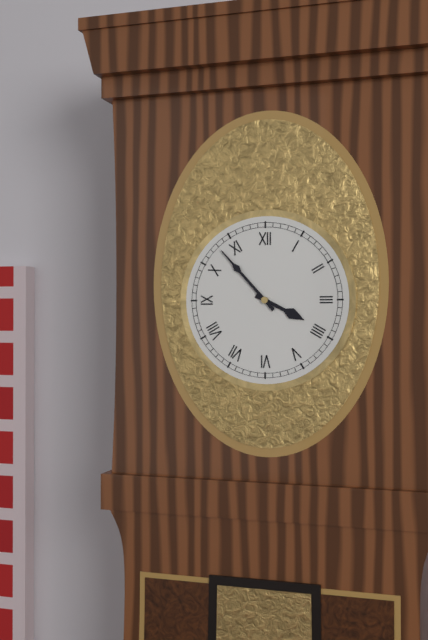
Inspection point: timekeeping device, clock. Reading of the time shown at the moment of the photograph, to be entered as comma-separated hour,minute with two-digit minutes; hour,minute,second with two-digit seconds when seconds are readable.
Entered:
3,53
